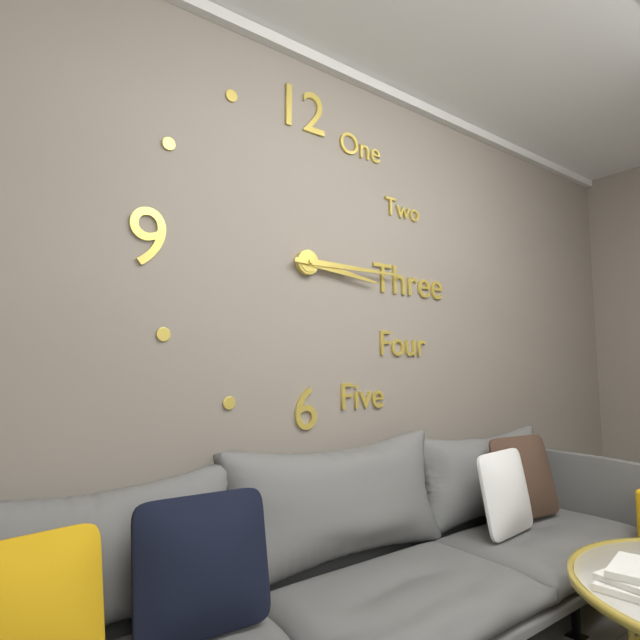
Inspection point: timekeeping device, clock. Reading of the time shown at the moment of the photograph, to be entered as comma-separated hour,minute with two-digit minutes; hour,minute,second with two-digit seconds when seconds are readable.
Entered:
3,15
